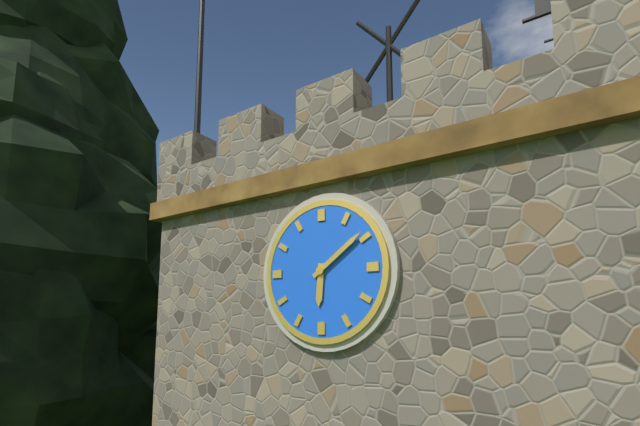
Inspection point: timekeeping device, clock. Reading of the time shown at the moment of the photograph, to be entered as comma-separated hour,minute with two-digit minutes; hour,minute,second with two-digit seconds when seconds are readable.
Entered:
6,09
